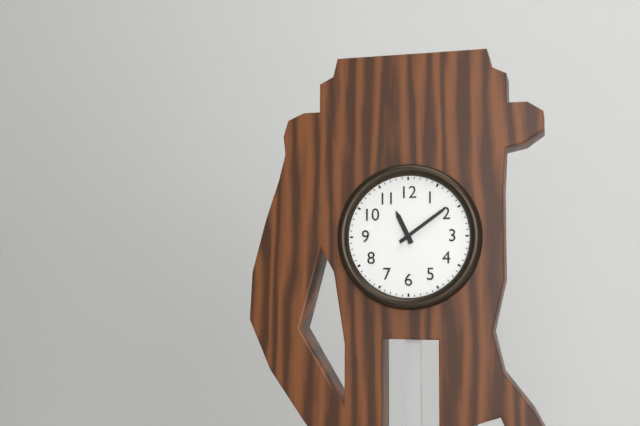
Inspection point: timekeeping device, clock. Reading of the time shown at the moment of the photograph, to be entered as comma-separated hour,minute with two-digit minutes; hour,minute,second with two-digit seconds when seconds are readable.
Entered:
11,09
